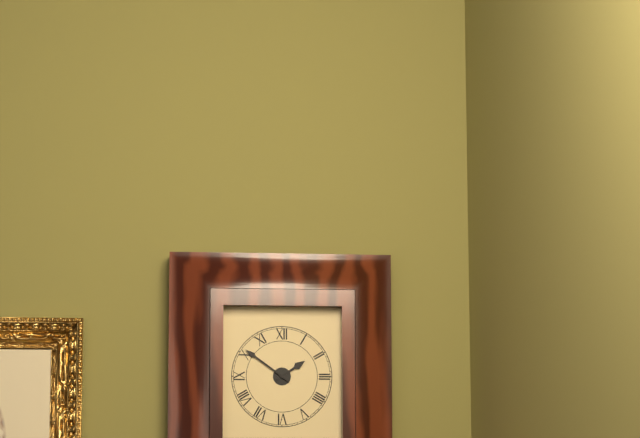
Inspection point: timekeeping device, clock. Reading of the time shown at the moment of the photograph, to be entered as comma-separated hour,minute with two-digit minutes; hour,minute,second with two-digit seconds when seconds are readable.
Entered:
1,51
